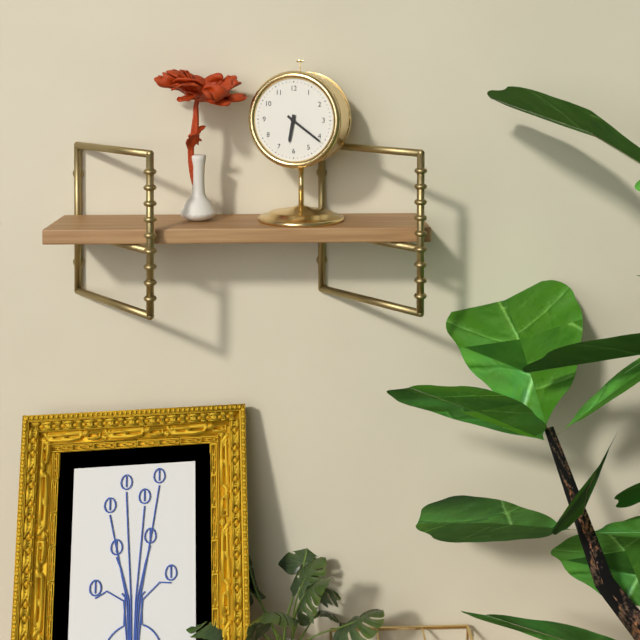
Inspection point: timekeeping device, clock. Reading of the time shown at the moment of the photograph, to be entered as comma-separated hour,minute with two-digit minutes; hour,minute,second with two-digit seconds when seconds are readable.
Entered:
6,21
